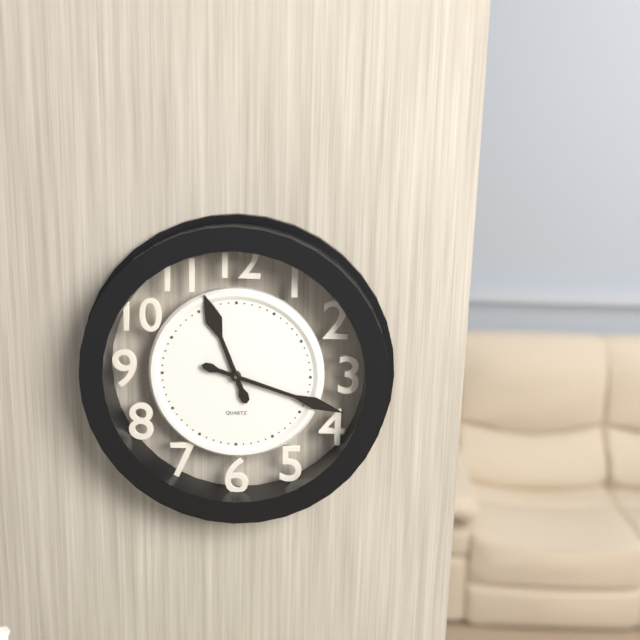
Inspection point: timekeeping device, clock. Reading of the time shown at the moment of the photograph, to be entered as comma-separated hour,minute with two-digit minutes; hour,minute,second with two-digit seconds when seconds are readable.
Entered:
11,18
